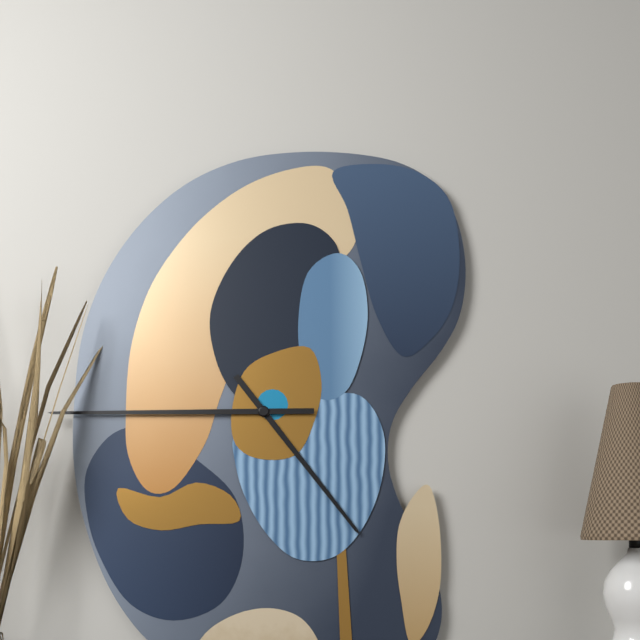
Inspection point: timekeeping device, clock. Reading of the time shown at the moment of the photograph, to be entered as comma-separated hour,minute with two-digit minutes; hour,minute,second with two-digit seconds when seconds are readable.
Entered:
4,45
